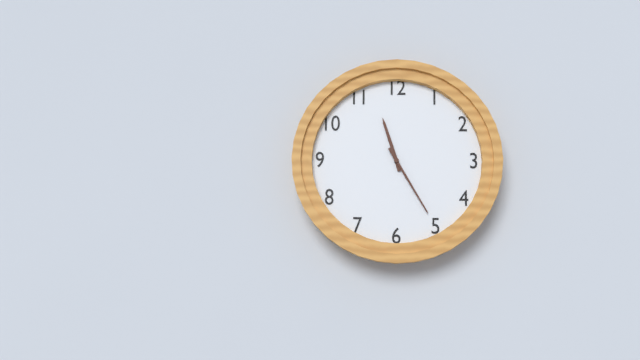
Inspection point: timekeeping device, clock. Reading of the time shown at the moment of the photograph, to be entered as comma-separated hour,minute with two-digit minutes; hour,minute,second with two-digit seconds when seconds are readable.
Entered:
11,25
